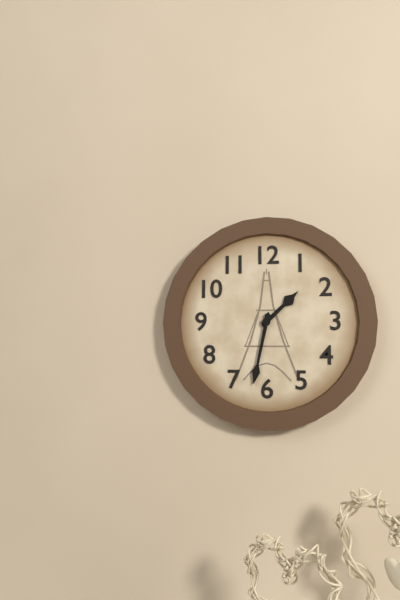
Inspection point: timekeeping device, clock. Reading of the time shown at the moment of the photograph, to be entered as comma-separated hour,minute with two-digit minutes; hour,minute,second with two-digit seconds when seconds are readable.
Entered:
1,32
